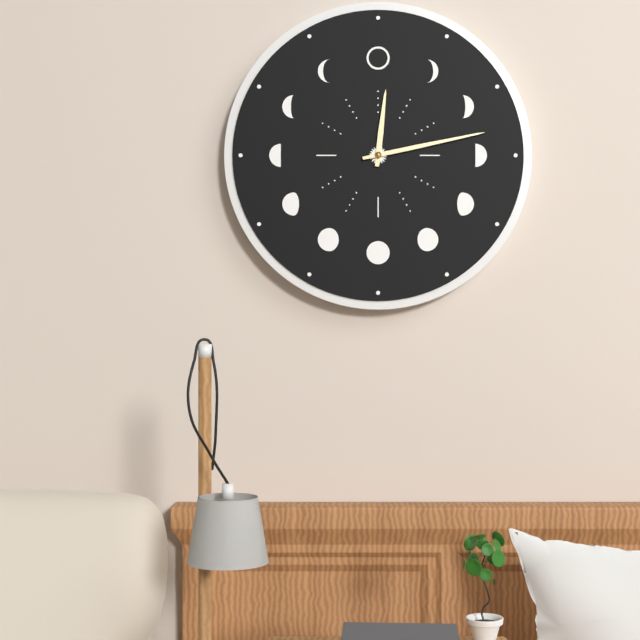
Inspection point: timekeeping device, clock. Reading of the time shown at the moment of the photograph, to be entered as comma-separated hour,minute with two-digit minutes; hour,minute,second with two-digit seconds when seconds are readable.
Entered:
12,13
